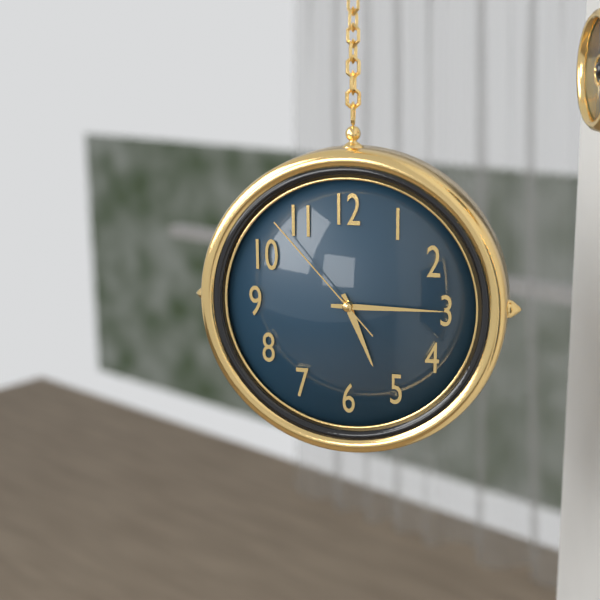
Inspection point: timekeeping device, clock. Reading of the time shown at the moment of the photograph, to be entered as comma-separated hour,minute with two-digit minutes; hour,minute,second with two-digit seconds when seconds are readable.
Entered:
5,15,53
